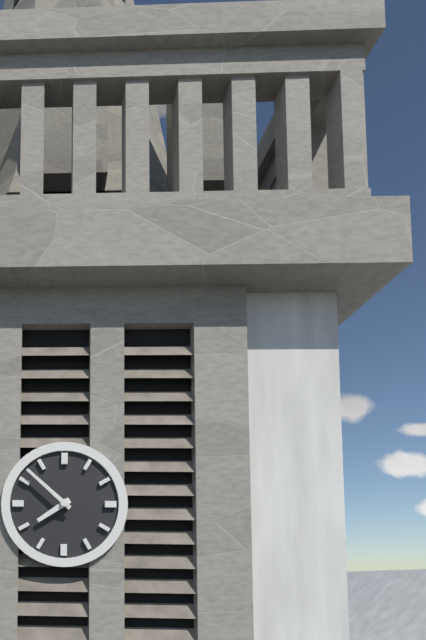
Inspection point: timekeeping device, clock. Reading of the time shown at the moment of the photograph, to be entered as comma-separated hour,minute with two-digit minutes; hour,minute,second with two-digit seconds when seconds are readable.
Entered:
7,52
